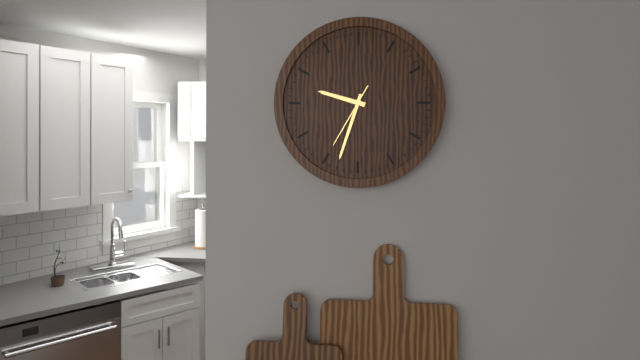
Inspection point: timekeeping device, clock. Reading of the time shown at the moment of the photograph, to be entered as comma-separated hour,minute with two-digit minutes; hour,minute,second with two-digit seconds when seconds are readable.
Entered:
9,33,35
